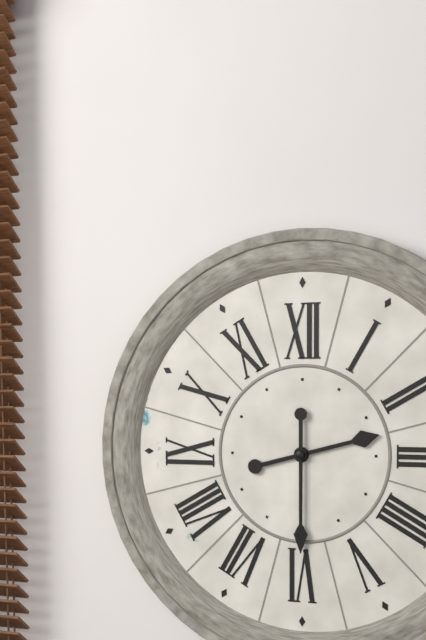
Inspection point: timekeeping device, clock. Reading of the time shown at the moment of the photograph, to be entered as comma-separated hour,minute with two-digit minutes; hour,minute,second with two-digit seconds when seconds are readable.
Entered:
2,30
